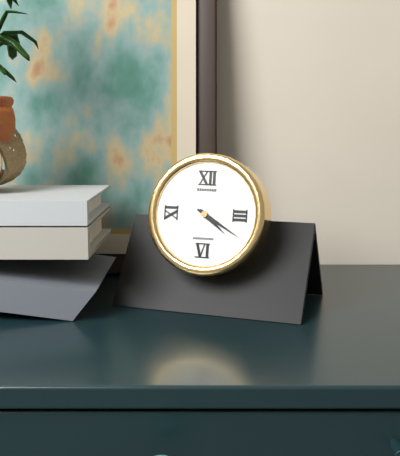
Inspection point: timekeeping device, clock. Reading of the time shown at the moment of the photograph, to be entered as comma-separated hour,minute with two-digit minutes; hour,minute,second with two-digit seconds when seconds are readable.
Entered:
4,20
